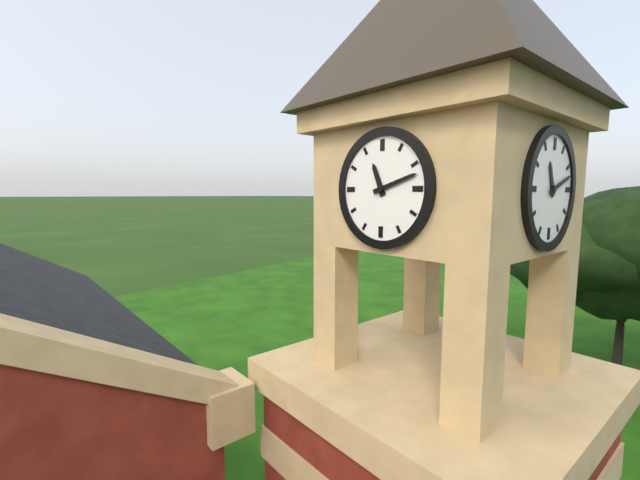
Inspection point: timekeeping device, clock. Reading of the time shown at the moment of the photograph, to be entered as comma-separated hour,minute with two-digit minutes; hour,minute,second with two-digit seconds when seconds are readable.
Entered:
11,12
